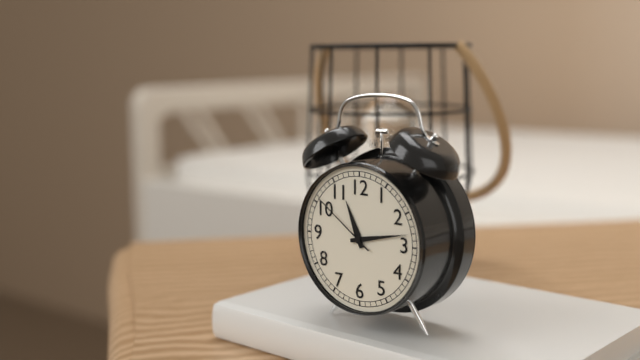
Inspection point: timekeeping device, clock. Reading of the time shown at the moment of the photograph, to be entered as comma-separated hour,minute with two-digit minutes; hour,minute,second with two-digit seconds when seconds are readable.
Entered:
11,13,51
